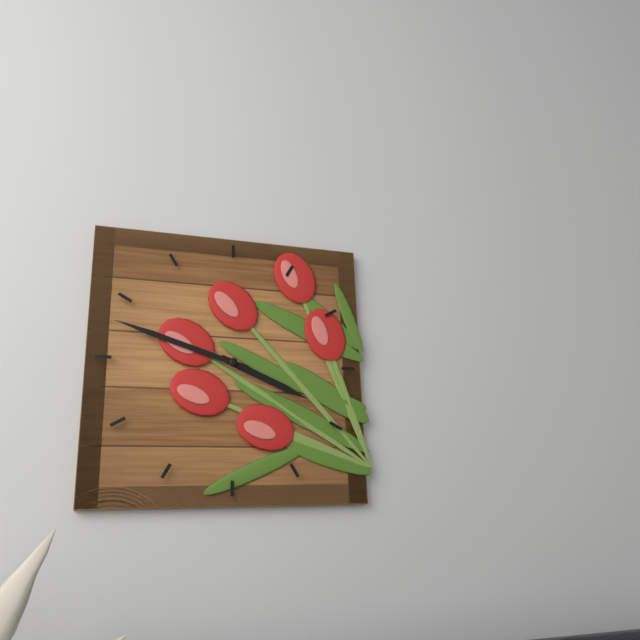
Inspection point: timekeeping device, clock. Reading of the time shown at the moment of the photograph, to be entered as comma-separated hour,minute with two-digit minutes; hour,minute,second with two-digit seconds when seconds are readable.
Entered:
3,48
